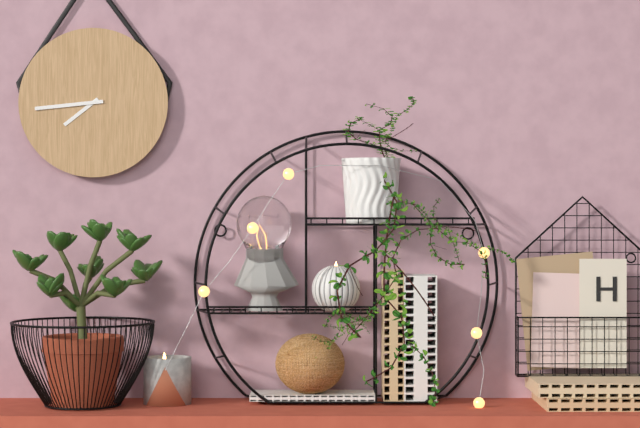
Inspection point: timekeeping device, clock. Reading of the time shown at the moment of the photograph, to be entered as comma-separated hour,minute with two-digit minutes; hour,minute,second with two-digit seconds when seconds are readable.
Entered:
7,44
